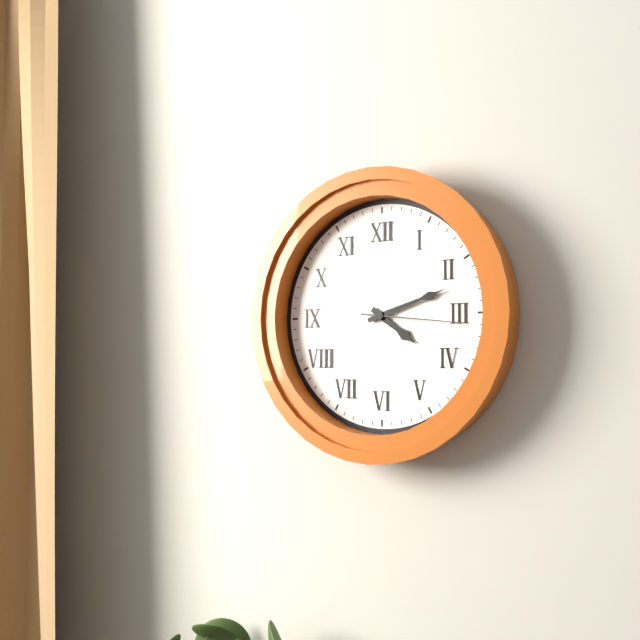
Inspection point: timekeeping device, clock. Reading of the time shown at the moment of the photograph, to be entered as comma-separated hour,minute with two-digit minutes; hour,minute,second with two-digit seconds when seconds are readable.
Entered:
4,12,16
